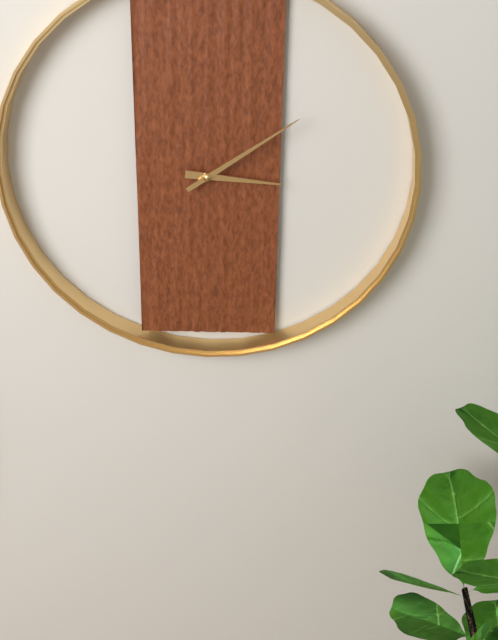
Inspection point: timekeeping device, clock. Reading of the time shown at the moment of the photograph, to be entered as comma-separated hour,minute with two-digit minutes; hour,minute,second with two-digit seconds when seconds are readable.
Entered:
3,09
